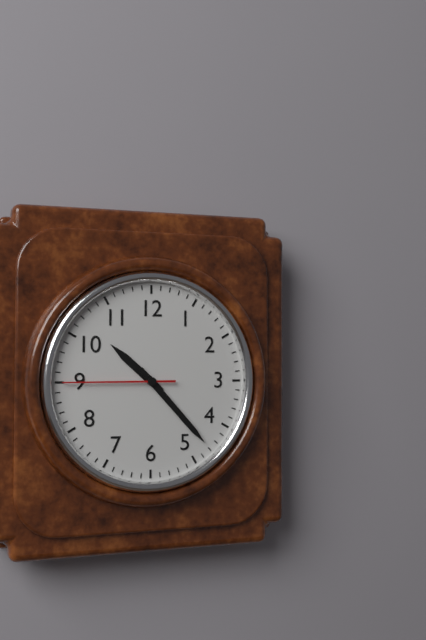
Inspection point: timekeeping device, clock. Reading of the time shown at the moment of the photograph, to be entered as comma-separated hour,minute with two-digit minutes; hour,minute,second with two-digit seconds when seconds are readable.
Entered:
10,23,45
